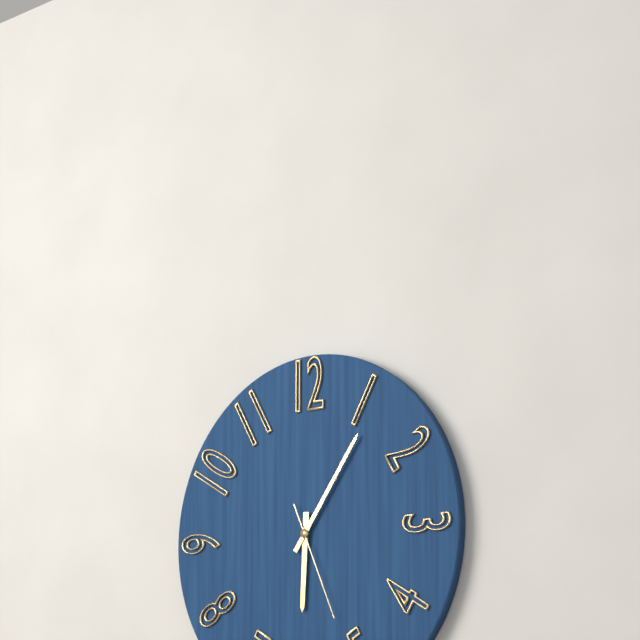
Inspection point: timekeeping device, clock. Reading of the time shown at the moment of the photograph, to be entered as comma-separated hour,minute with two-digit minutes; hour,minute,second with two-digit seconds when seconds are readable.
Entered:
6,06,26
